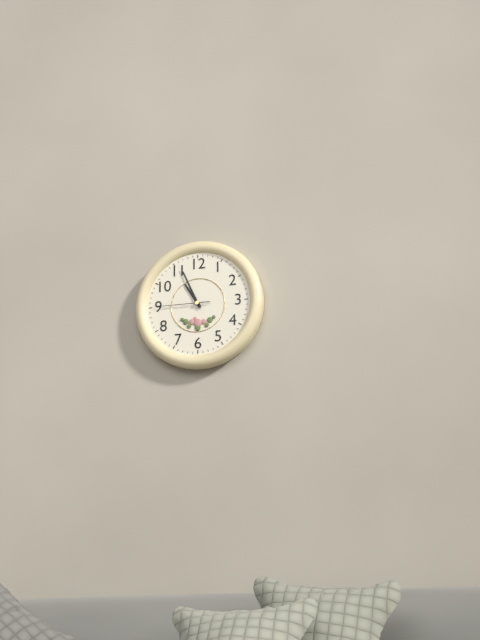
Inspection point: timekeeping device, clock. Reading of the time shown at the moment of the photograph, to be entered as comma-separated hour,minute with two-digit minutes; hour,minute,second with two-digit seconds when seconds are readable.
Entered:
10,56,45
